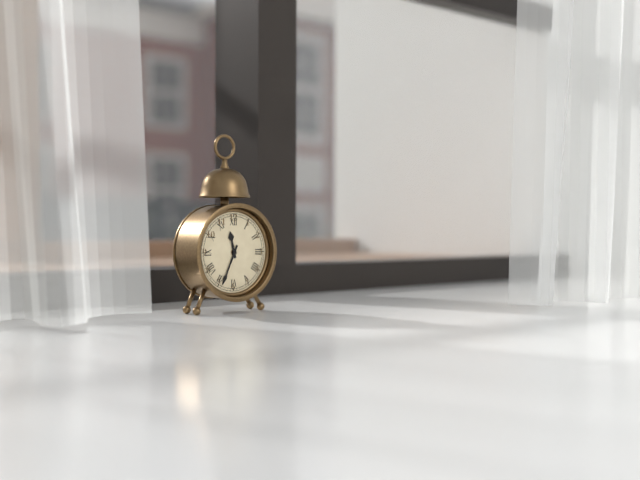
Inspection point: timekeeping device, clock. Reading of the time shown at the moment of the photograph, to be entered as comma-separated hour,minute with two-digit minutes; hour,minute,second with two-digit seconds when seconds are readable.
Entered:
11,34
